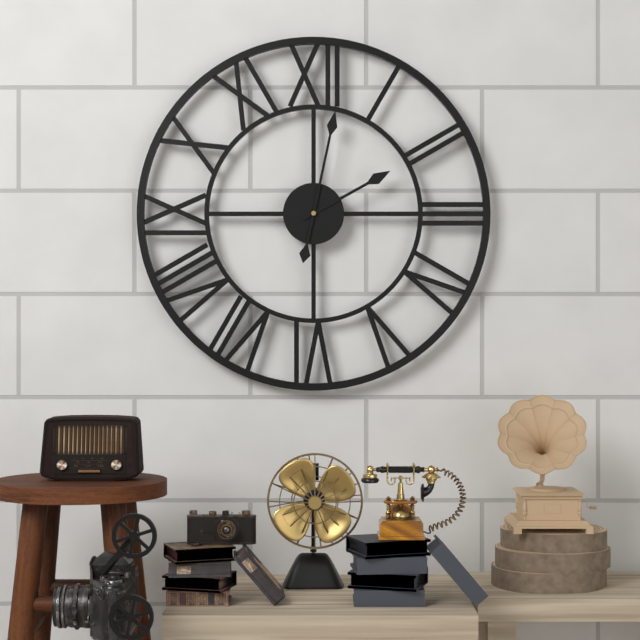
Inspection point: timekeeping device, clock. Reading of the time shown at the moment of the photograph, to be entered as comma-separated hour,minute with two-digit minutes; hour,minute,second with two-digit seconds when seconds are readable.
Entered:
2,02
